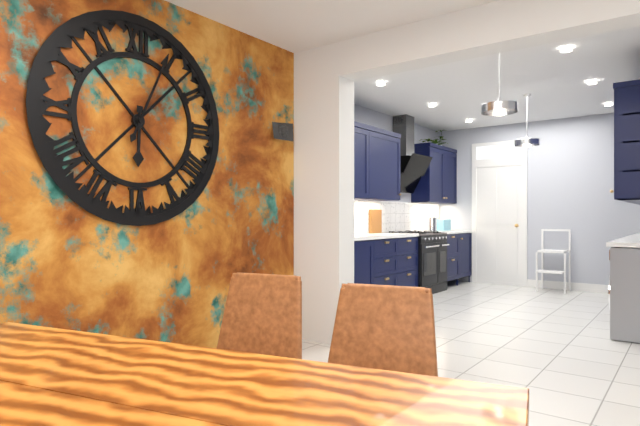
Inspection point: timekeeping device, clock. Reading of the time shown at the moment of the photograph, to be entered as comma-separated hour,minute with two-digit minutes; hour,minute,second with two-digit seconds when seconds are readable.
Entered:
6,04
